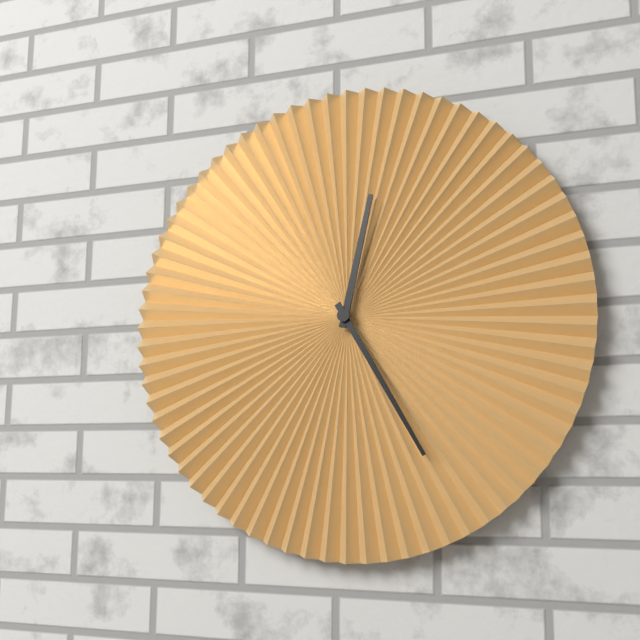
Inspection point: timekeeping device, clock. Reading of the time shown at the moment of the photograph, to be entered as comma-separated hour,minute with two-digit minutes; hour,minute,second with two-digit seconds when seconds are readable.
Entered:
12,25
